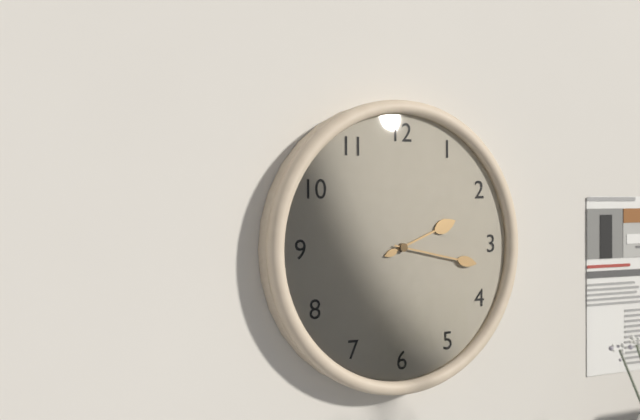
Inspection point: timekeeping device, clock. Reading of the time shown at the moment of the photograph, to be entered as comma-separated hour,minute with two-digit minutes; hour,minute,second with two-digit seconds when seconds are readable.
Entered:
2,17
